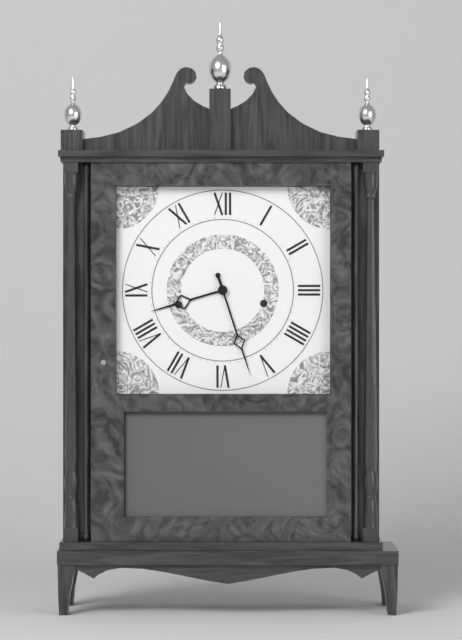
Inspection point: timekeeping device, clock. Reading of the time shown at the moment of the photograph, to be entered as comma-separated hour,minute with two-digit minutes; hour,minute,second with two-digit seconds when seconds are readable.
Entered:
8,27
